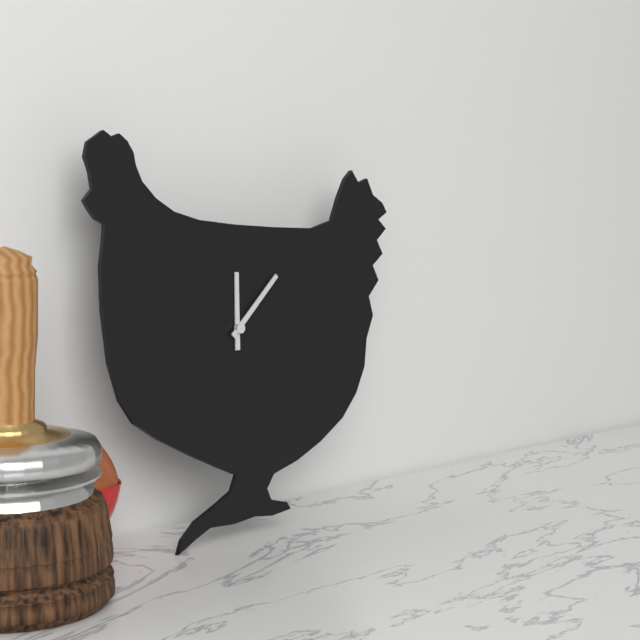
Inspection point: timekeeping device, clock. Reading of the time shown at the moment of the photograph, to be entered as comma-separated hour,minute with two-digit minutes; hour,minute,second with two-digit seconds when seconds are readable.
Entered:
12,08
